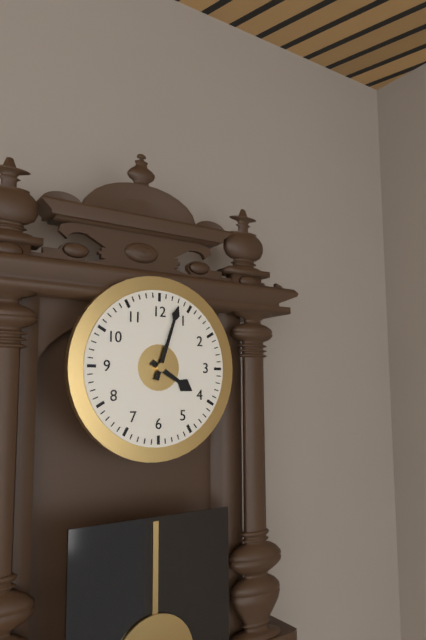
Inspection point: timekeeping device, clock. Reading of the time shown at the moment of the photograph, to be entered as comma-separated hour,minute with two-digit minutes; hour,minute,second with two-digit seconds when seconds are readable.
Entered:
4,03
